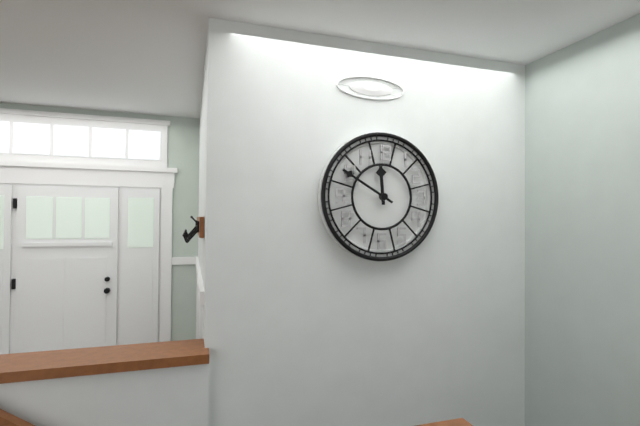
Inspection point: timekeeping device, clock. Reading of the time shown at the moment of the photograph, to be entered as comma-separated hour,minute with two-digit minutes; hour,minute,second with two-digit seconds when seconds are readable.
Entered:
11,50
